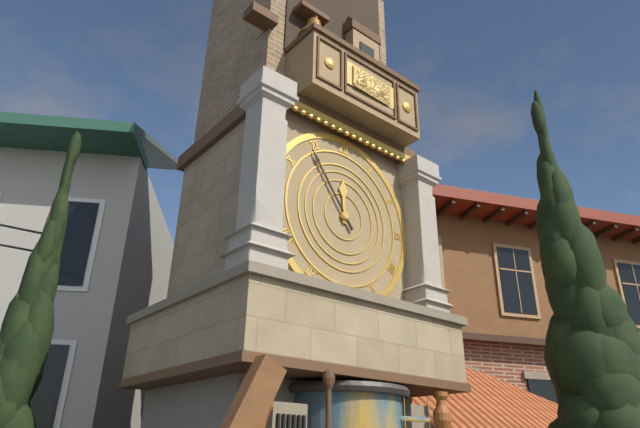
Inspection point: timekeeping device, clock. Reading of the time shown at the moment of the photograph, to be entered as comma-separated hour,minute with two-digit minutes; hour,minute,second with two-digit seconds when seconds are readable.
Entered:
11,54
